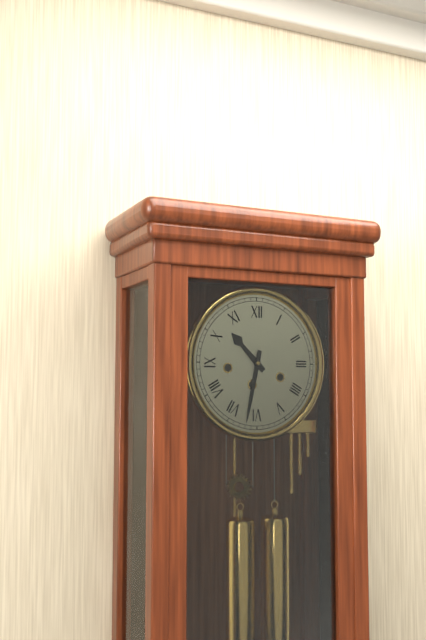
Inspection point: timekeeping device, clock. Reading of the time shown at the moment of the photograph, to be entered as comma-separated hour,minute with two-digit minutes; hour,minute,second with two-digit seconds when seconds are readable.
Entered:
10,32
